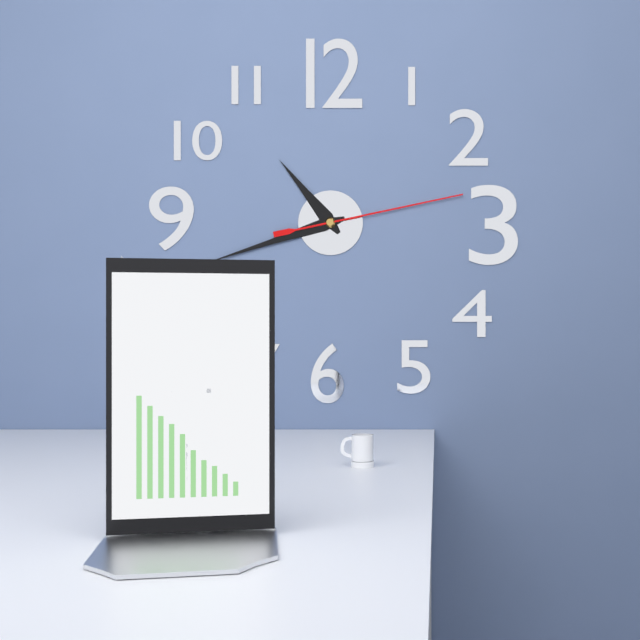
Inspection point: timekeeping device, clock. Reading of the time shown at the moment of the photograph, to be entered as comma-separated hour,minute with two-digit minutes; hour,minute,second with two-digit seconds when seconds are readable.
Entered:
10,42,13
